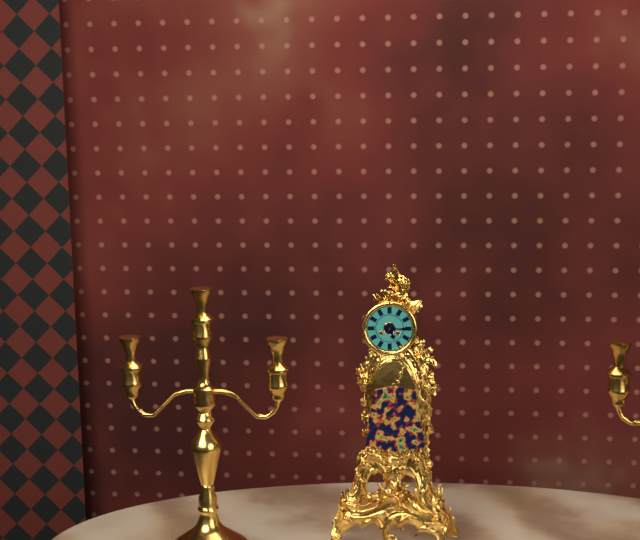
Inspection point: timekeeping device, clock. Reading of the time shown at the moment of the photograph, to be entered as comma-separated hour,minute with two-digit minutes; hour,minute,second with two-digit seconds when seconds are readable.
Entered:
5,15
